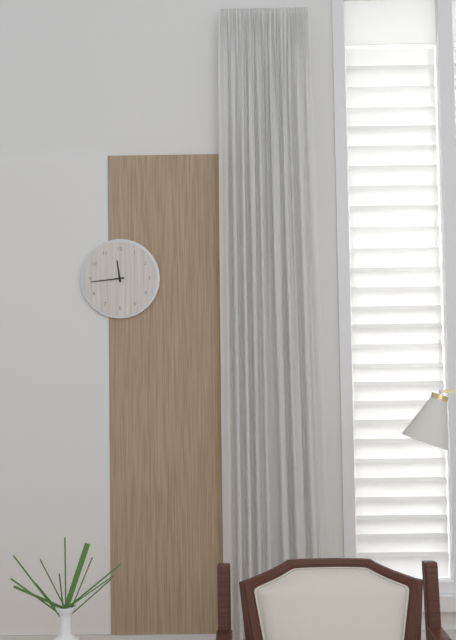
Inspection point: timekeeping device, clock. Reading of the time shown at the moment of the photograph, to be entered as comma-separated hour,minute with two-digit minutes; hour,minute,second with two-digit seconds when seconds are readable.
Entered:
11,44
